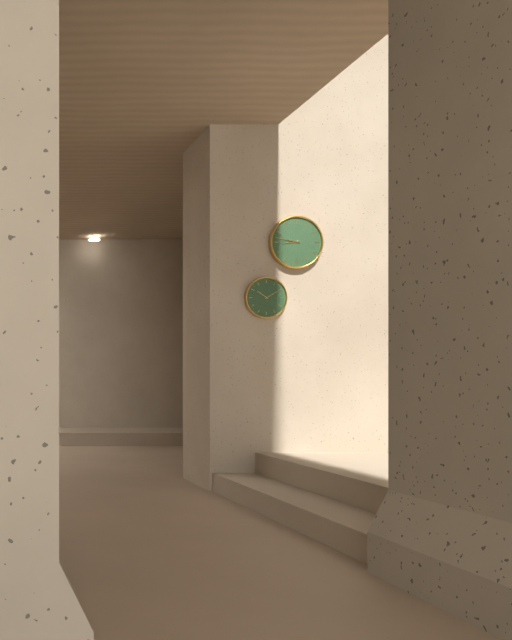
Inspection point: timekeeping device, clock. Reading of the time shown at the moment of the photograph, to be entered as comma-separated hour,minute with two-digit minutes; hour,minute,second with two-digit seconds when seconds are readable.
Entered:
8,47
